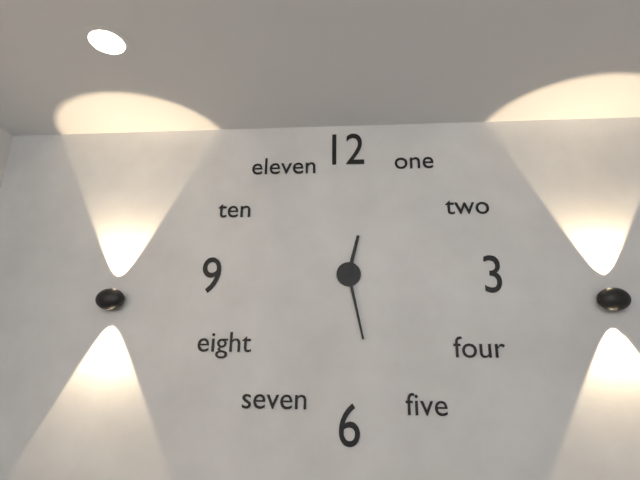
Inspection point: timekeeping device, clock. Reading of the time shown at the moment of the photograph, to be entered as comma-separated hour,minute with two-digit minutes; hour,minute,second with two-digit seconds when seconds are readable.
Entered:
12,28
